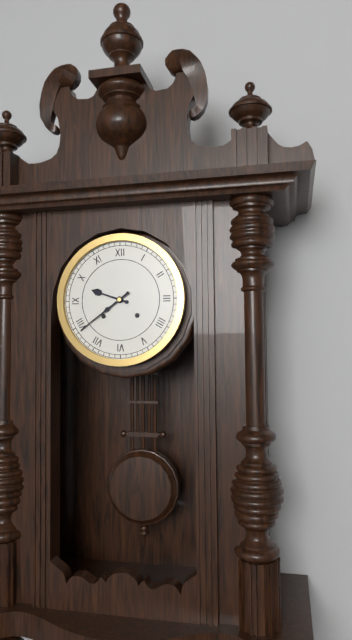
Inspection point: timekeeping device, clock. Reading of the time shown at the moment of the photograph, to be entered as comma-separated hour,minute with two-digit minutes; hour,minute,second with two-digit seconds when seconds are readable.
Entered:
9,39
